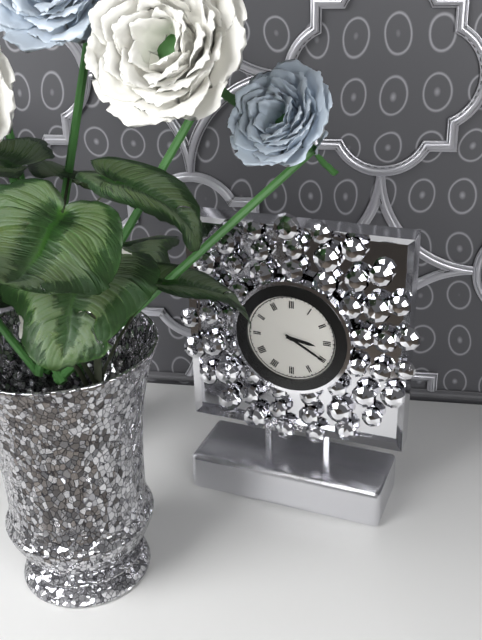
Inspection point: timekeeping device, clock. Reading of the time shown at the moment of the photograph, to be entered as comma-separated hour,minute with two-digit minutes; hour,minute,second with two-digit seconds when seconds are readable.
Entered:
3,20
